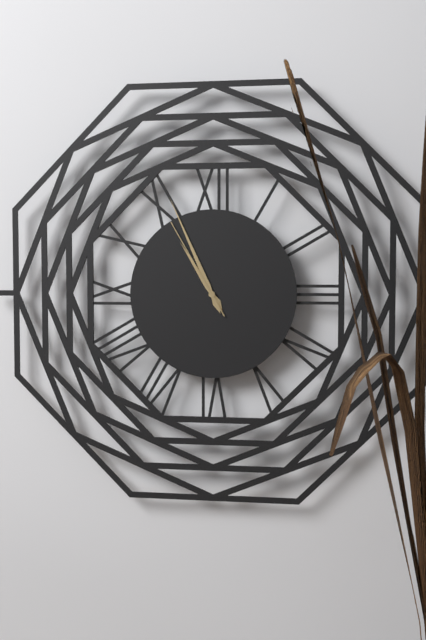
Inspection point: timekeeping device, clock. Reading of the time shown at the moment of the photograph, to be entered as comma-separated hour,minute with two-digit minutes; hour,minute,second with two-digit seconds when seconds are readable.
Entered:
10,56,55
